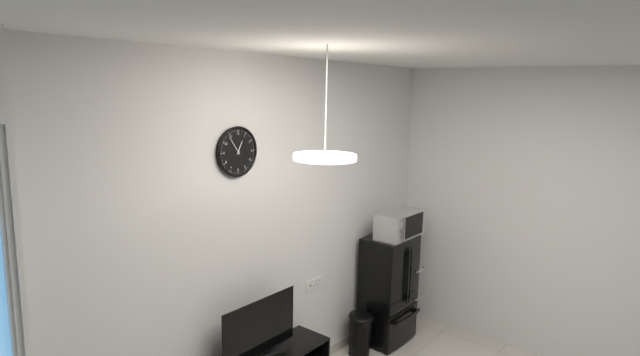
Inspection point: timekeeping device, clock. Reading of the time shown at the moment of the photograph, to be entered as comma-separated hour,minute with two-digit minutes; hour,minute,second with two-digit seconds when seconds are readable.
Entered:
12,54
